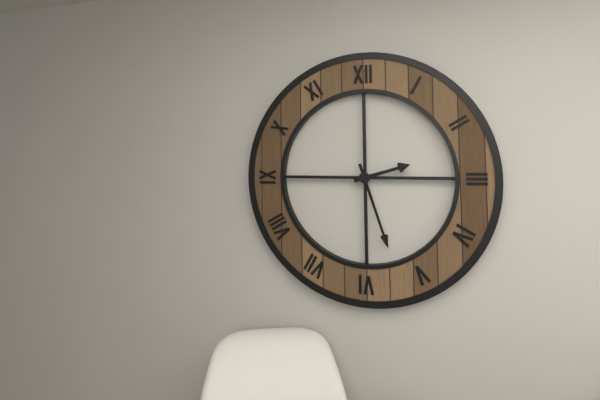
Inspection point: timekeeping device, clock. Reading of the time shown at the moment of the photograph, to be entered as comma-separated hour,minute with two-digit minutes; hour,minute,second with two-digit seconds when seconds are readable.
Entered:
2,27
